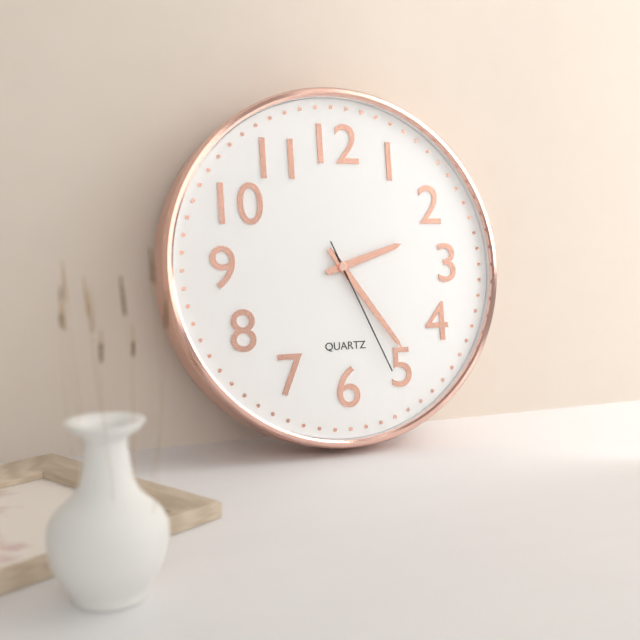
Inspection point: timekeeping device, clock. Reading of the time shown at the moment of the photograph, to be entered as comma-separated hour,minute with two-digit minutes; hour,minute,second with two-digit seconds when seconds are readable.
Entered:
2,24,26
